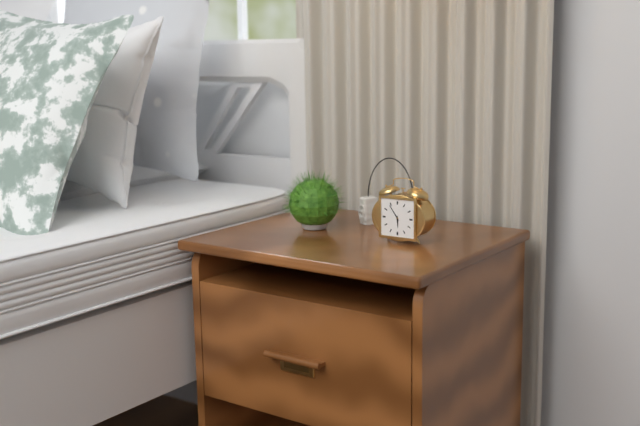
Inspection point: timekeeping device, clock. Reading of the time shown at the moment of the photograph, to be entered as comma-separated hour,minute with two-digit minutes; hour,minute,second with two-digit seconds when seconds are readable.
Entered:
5,54
